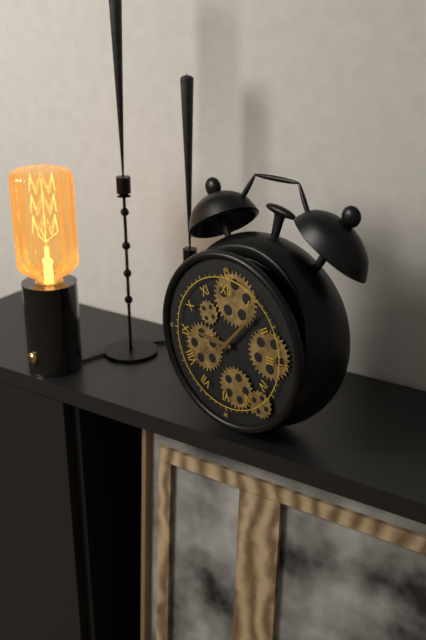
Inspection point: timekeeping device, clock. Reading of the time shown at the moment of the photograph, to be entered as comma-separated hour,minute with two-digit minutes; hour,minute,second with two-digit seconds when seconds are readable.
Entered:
9,07
